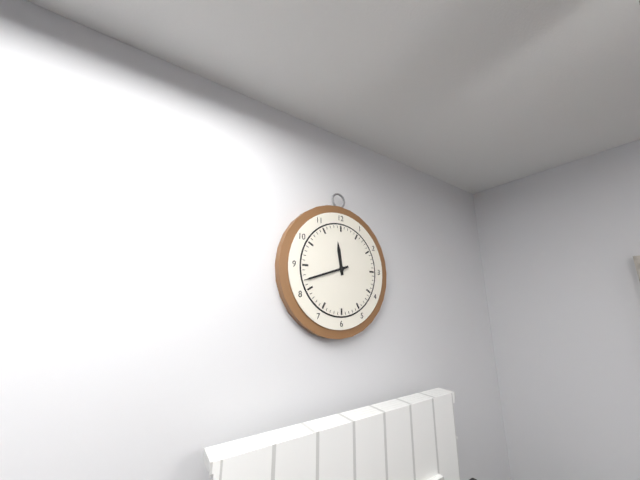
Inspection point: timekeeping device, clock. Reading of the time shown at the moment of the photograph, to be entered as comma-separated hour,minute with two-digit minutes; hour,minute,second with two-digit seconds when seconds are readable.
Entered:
11,42
